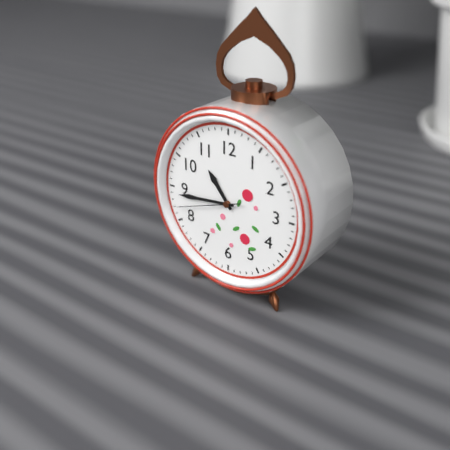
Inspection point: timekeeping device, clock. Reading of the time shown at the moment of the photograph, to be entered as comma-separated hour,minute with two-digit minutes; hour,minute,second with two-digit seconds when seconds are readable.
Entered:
10,44,42
